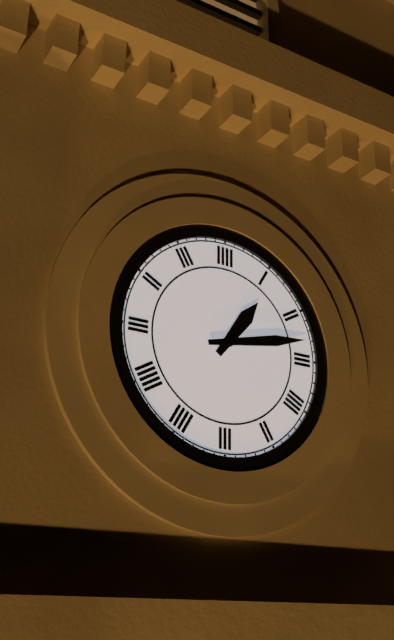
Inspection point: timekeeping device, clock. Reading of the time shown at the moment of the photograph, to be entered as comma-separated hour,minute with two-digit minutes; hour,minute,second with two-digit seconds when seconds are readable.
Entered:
1,13
